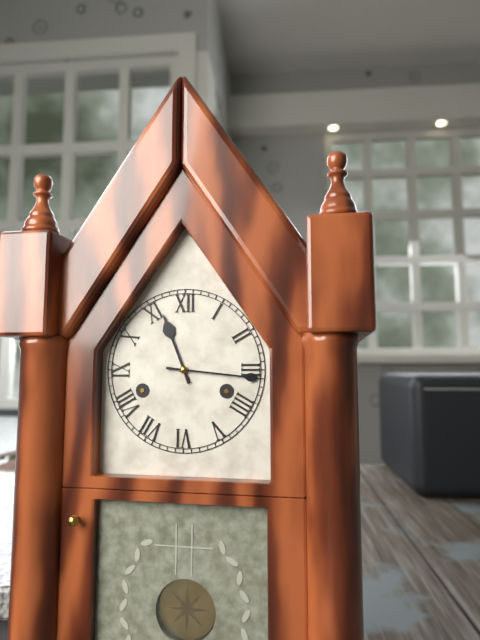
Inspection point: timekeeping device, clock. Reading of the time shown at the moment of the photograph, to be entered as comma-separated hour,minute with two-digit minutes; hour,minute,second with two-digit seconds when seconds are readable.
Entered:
11,16
